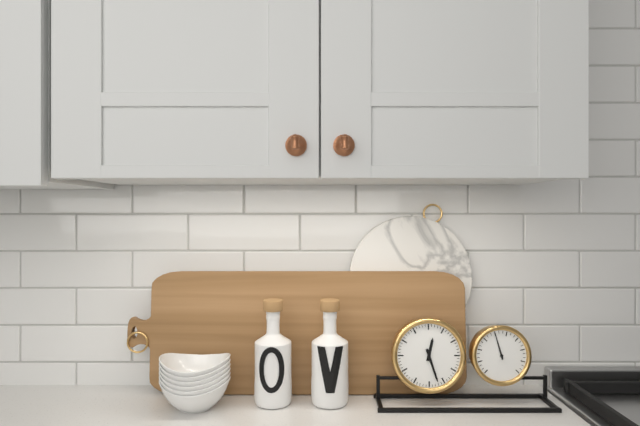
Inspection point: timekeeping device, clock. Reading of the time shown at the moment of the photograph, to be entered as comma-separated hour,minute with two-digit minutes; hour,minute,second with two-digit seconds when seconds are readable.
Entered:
12,27
